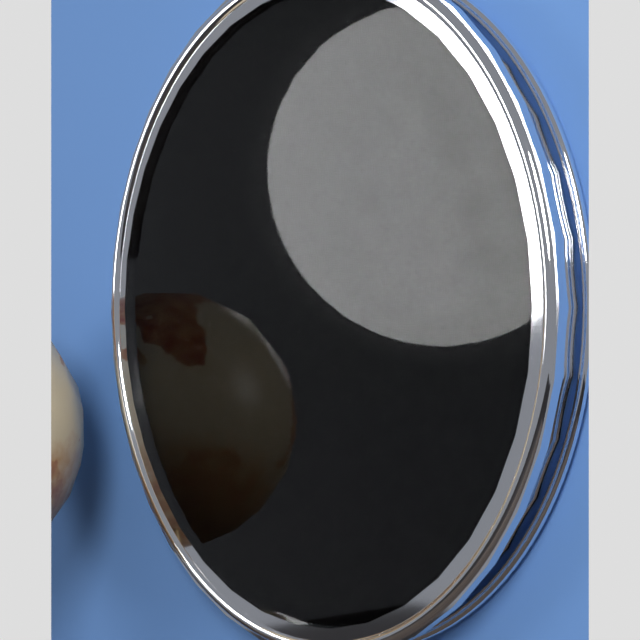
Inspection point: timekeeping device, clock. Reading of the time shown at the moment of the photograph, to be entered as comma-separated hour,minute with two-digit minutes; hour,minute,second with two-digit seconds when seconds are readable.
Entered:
4,15
